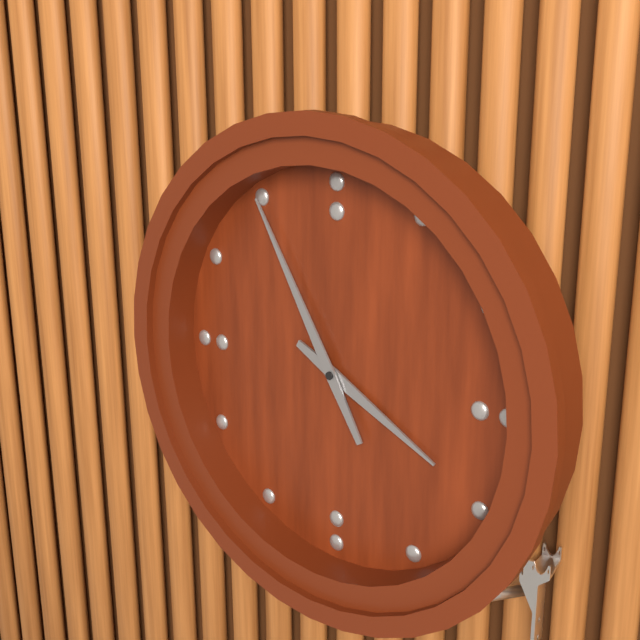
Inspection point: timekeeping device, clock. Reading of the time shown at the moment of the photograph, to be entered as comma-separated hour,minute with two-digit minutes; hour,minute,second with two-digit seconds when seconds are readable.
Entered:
3,55
